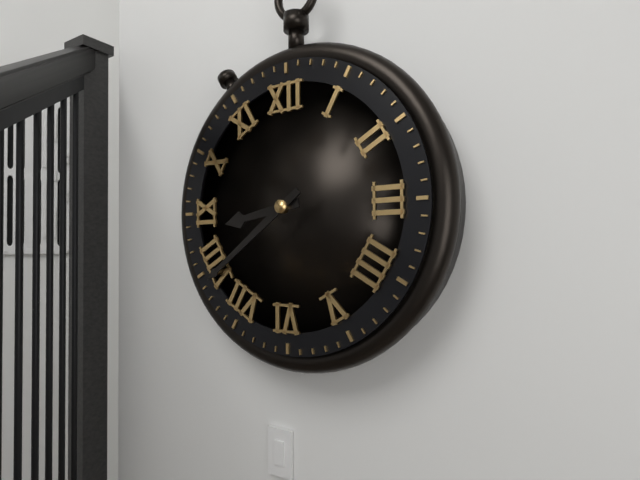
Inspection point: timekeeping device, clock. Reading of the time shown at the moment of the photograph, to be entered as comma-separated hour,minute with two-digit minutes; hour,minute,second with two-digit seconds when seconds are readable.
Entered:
8,39
